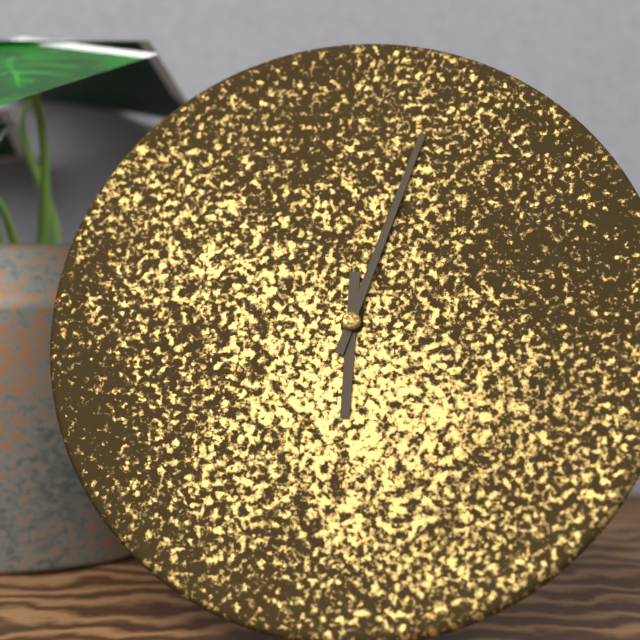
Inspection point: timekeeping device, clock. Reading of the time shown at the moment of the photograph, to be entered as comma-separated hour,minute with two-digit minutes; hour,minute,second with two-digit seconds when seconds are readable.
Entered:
6,03
